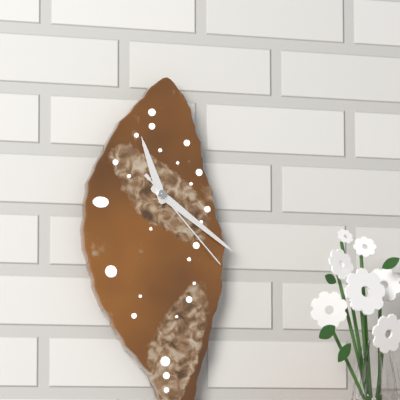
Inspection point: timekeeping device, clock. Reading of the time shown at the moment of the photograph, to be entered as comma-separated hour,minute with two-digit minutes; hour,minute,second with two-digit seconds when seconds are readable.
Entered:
11,21,23
